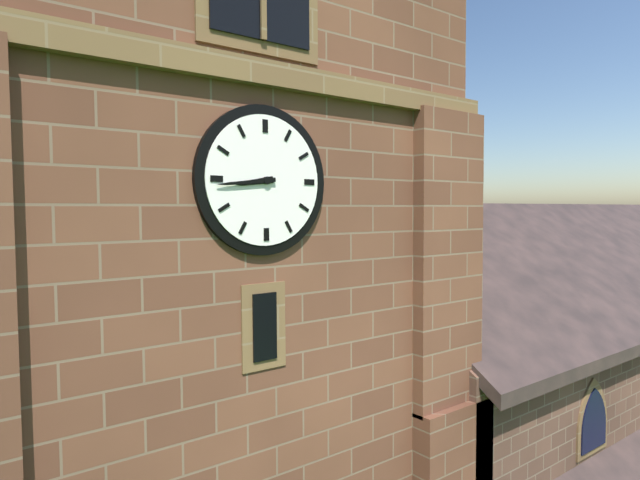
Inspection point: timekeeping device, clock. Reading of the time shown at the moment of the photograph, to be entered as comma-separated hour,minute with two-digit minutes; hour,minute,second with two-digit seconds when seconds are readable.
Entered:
8,44
